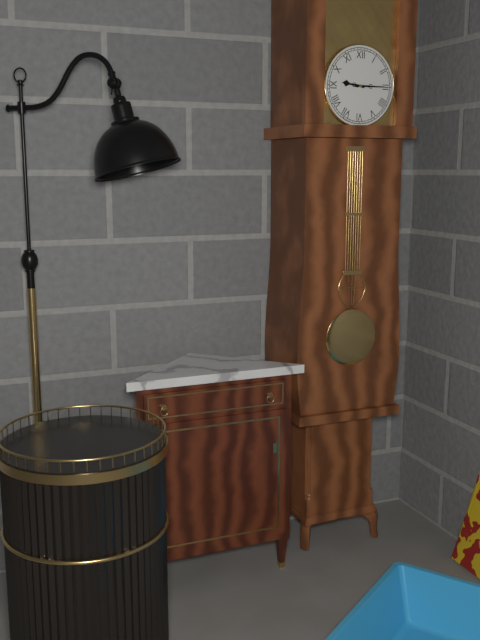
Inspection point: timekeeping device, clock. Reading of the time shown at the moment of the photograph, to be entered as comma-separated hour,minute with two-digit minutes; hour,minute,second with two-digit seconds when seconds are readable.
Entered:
9,15
